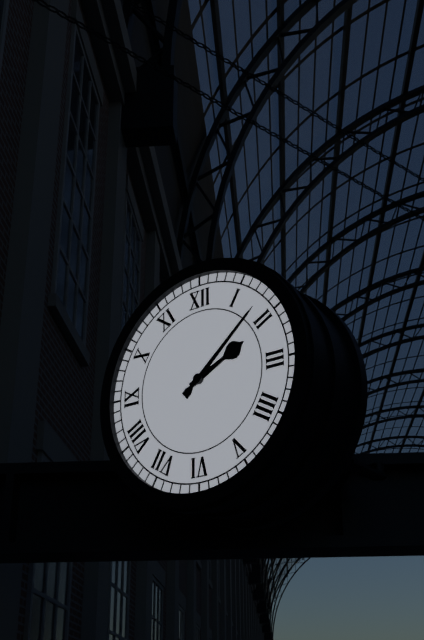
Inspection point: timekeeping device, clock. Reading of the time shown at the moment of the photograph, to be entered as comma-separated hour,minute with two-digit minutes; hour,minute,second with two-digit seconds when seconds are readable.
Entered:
2,08
